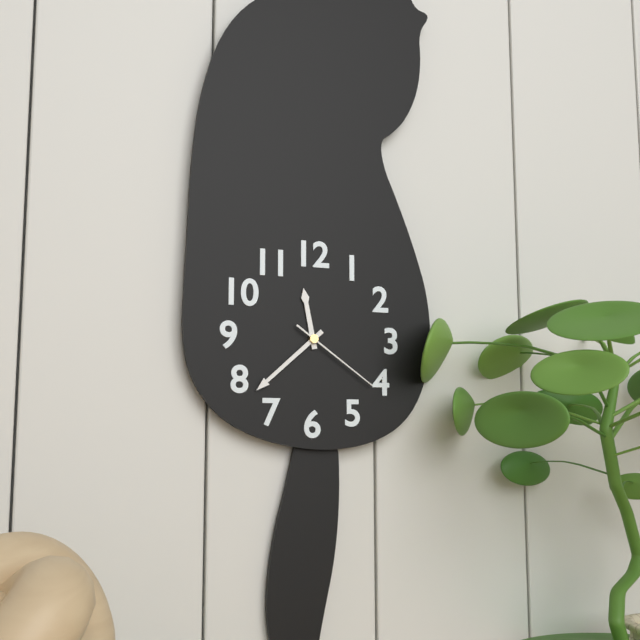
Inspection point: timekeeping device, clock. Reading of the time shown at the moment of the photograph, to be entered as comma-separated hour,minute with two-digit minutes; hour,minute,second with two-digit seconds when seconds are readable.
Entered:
11,38,21
